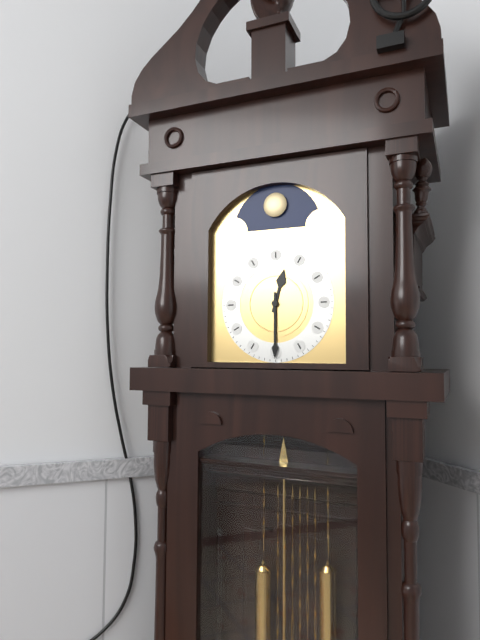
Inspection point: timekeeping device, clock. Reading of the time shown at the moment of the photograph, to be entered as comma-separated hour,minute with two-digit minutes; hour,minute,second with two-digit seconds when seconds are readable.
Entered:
12,30
